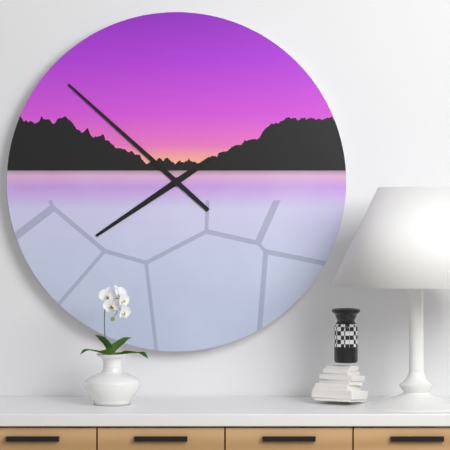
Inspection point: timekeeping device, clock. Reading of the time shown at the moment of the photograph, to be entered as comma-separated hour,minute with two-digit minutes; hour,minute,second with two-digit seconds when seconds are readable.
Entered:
7,52
